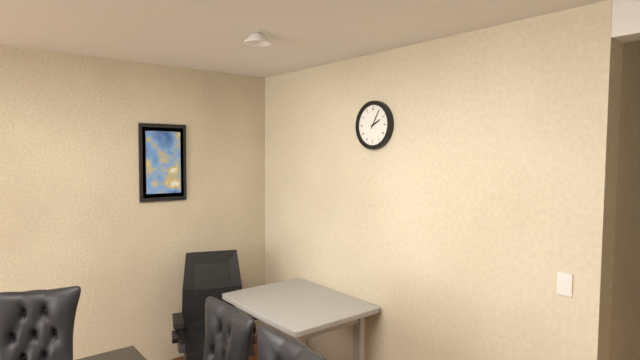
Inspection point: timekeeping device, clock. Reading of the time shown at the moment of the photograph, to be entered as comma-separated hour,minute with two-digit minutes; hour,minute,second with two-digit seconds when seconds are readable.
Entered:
2,05
